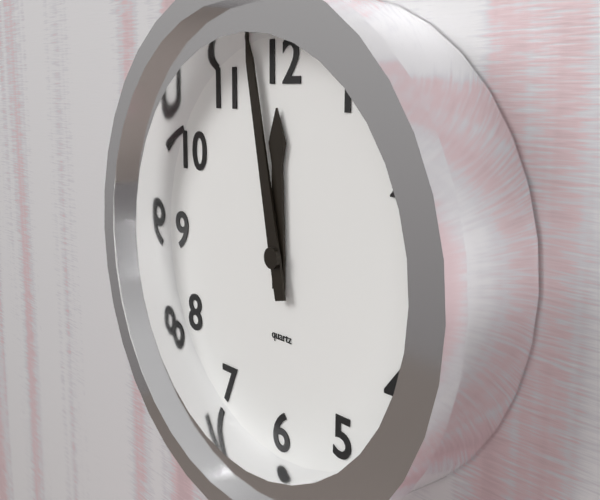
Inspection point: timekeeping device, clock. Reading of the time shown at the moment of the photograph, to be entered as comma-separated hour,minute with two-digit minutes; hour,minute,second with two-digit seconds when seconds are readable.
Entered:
11,58
